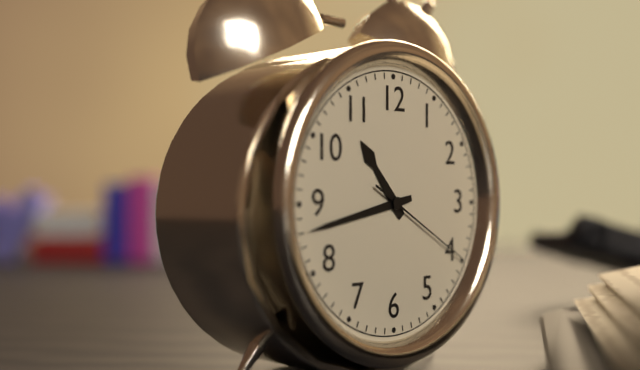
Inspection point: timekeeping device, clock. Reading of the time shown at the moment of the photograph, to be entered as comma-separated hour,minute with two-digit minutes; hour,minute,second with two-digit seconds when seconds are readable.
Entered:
10,43,20
